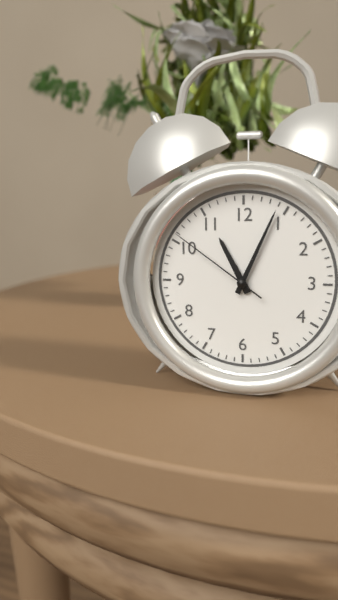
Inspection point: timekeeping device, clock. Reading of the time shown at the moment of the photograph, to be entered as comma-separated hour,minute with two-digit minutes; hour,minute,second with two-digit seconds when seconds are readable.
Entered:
11,04,51
